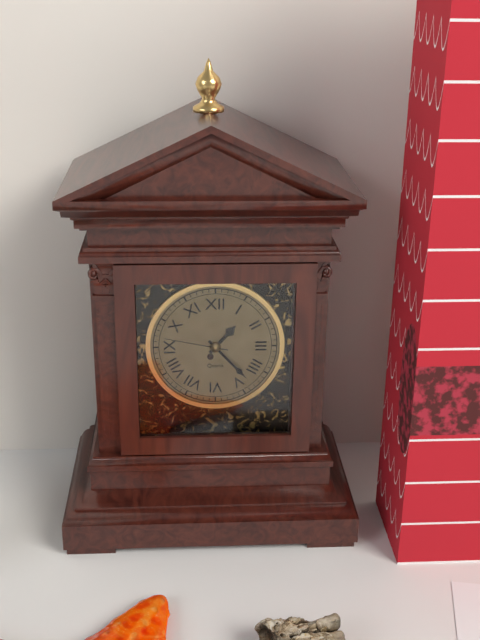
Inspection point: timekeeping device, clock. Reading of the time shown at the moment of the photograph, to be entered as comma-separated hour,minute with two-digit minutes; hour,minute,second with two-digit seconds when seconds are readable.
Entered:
1,23,47
